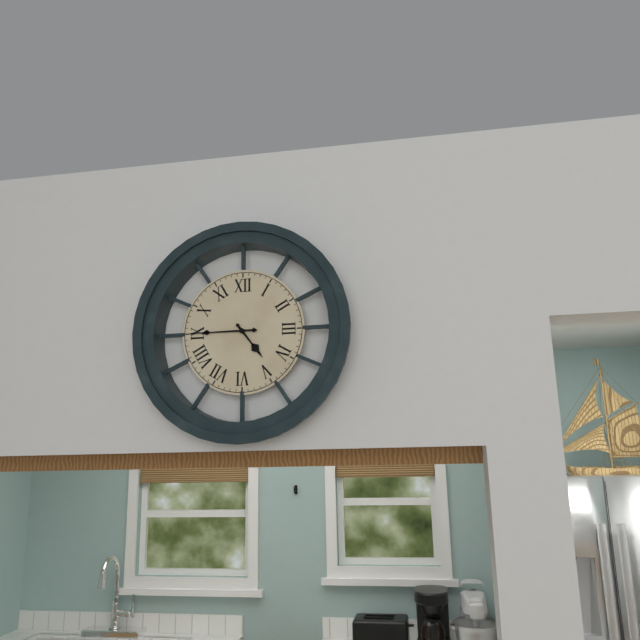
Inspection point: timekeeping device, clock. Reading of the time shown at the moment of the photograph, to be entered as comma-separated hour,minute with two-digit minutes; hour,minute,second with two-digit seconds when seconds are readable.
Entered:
4,45
